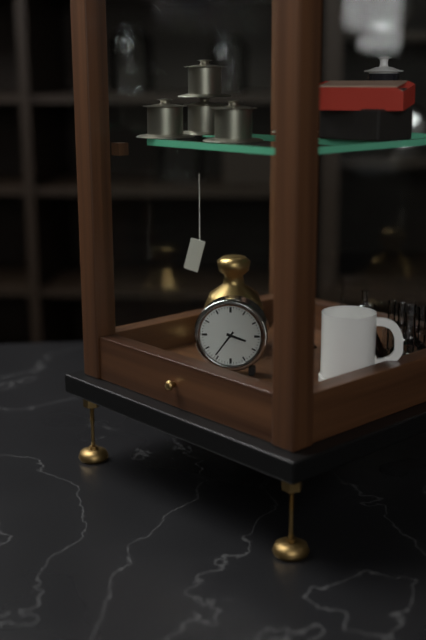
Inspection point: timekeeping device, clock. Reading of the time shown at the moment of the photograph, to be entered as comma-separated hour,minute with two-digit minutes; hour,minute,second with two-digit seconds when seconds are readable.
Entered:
3,36
